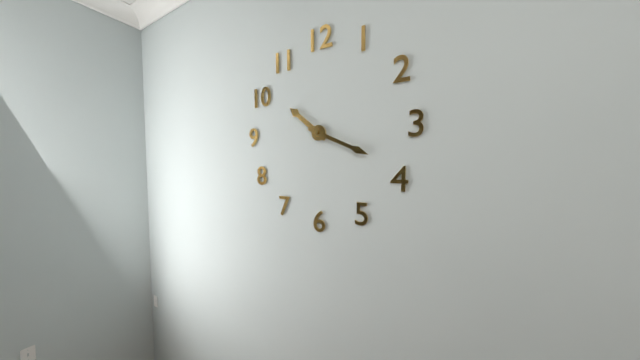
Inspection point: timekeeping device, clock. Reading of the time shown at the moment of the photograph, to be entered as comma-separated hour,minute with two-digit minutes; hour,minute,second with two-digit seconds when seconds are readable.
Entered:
10,19
